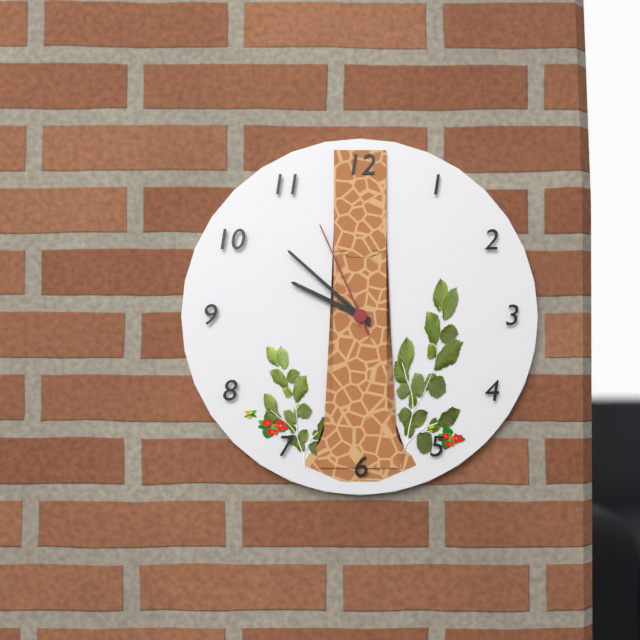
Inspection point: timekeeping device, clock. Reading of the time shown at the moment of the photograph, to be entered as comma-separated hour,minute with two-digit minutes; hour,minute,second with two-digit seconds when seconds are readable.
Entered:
9,52,56
